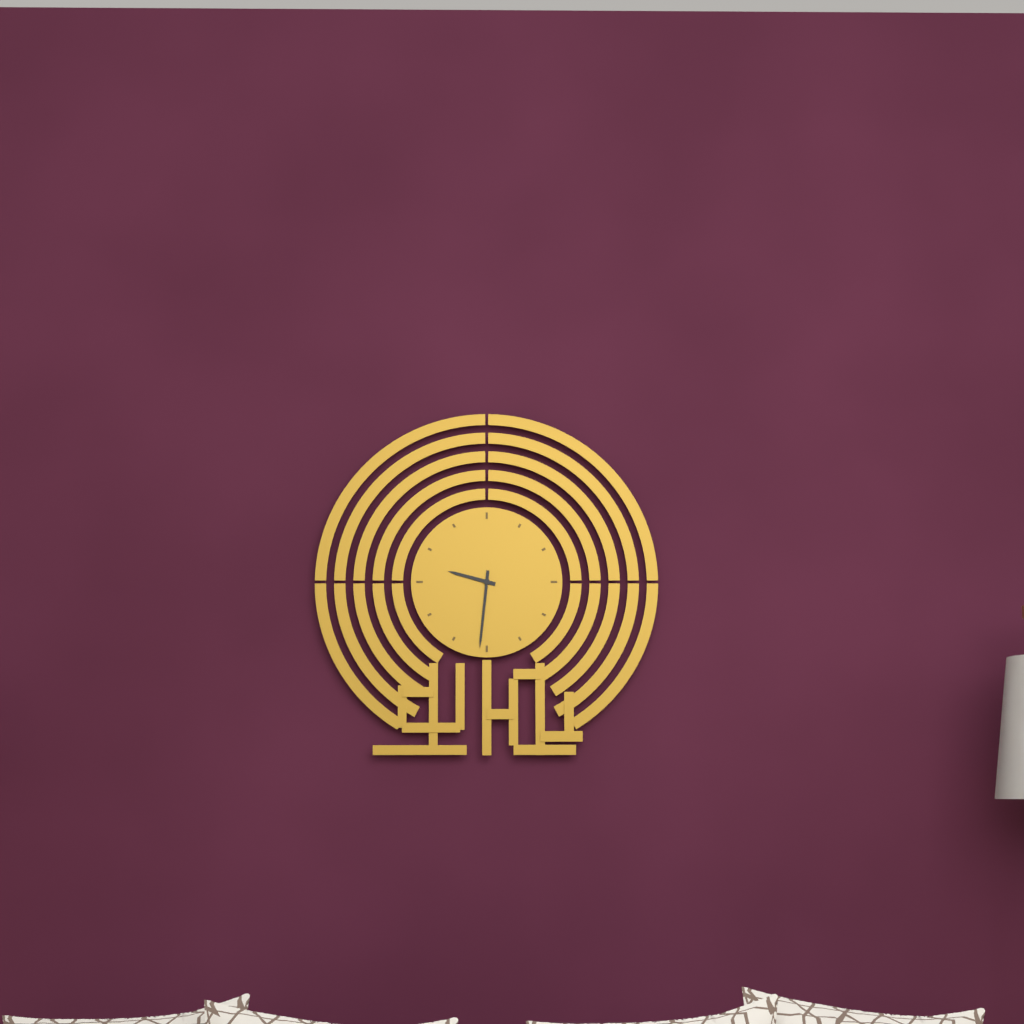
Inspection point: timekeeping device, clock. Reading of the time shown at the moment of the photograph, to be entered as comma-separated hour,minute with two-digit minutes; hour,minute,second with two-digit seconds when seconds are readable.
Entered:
9,31
